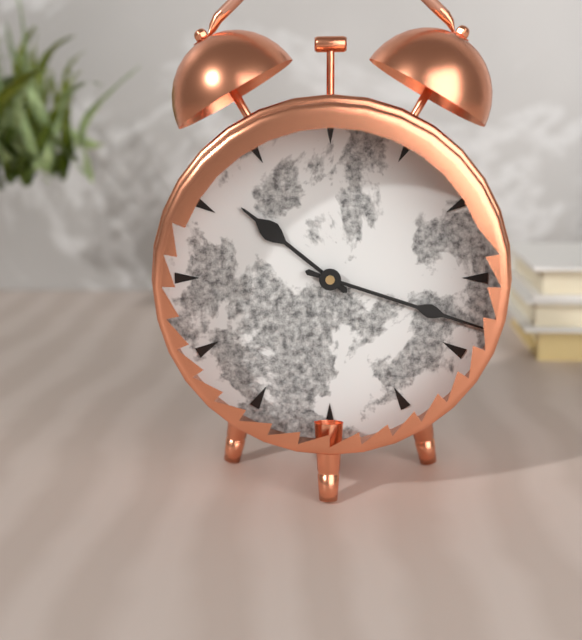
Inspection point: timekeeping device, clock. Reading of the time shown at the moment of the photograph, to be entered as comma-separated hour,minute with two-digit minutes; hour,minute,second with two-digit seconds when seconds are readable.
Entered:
10,18
